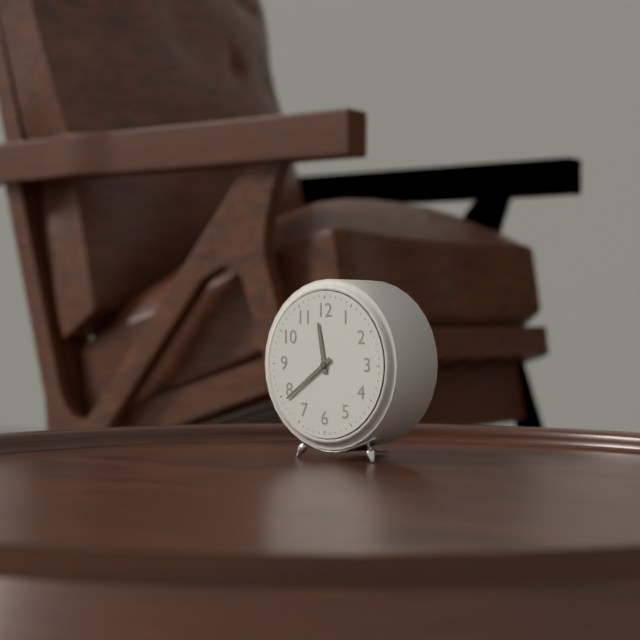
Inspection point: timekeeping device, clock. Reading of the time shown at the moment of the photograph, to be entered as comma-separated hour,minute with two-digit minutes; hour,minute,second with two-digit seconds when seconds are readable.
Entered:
11,39
